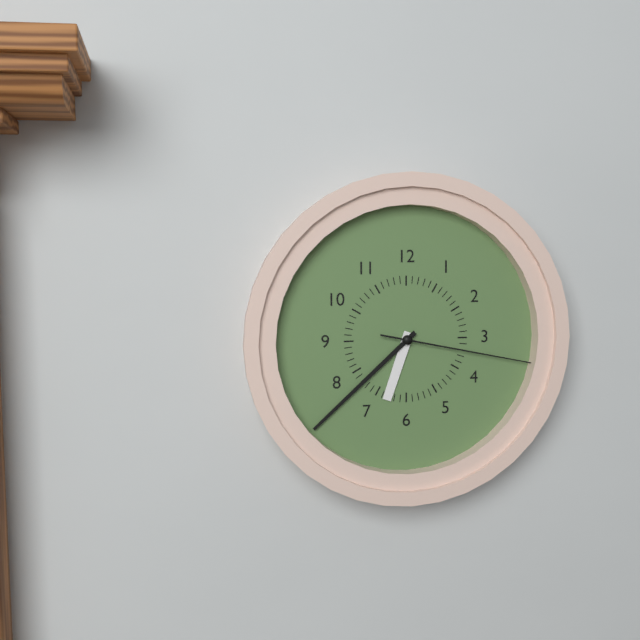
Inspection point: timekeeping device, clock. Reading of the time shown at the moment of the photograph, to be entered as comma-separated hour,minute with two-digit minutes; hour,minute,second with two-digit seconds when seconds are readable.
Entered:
6,38,17
